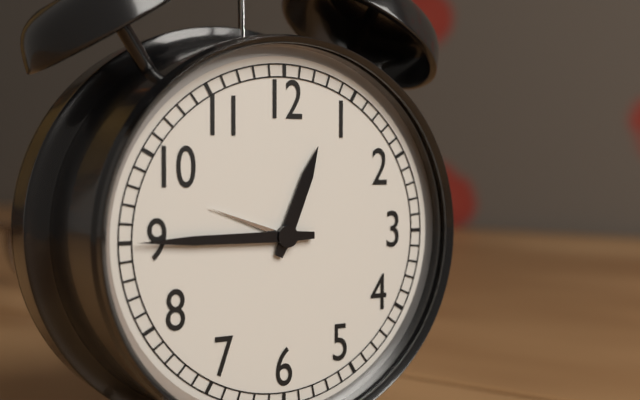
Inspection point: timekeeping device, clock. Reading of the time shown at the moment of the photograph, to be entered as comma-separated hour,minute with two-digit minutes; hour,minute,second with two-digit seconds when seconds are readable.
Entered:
12,45
